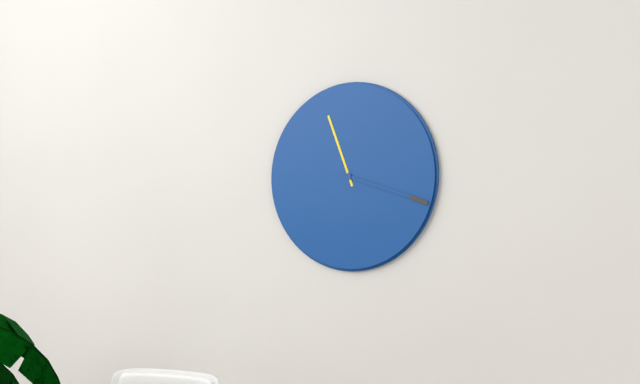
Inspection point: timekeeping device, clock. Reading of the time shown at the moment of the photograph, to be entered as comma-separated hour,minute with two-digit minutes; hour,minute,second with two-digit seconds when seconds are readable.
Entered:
11,18
